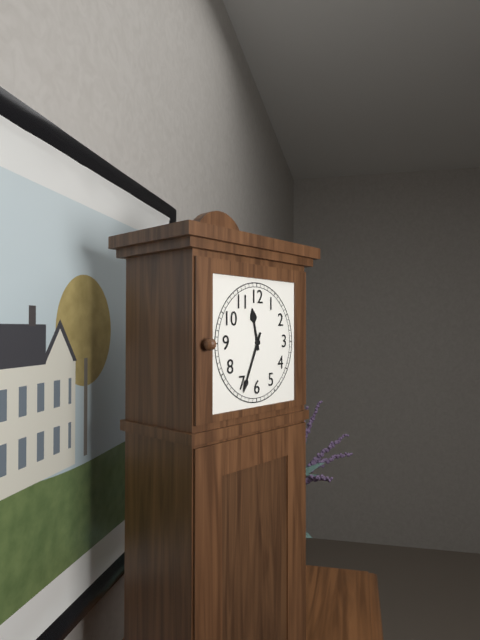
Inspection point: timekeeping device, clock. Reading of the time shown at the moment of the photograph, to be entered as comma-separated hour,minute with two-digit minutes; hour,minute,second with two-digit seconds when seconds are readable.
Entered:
11,34
